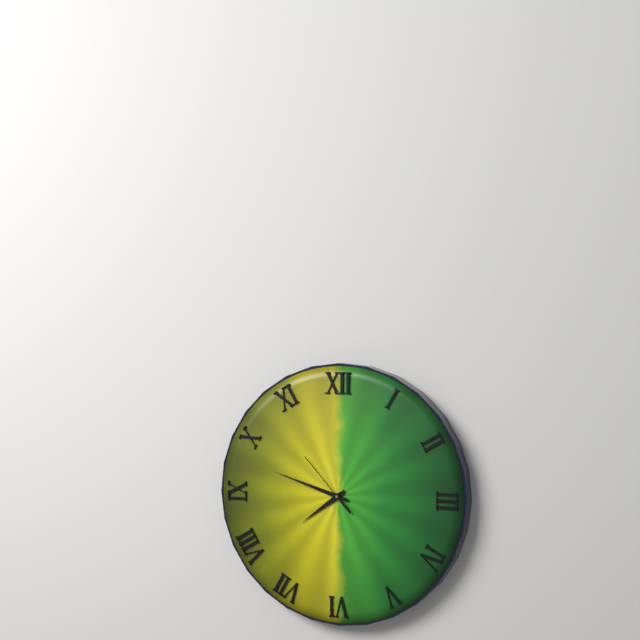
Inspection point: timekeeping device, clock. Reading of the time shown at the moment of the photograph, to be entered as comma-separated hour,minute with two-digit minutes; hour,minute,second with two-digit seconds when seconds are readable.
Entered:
7,48,53
